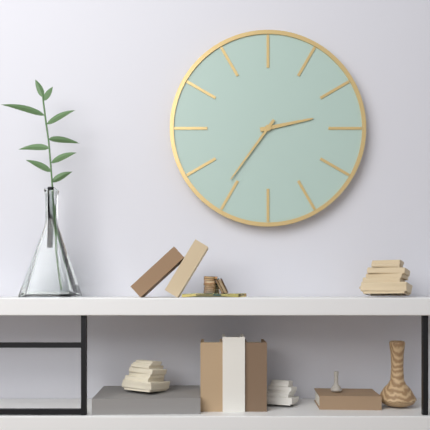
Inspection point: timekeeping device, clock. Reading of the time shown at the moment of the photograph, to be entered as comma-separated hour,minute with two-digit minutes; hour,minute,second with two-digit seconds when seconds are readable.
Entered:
2,36
